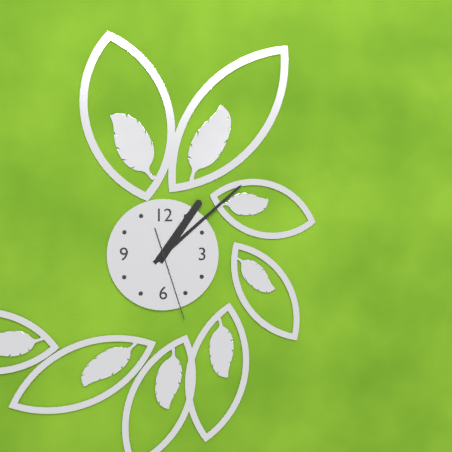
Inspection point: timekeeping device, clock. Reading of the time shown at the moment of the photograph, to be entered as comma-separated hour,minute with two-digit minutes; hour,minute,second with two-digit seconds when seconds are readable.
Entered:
1,08,27
